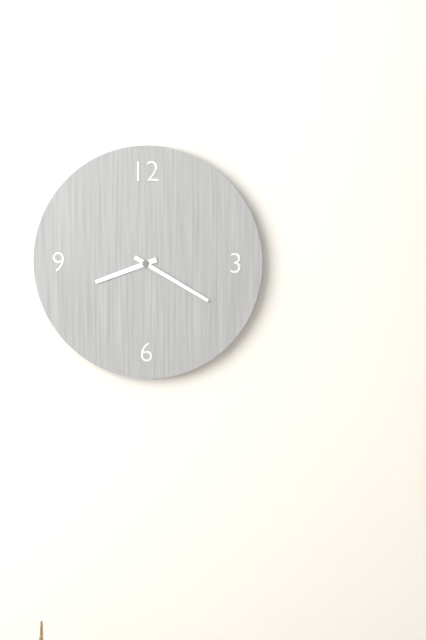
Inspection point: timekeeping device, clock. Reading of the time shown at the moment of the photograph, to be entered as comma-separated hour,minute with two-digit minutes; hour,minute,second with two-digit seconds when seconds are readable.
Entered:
8,20
